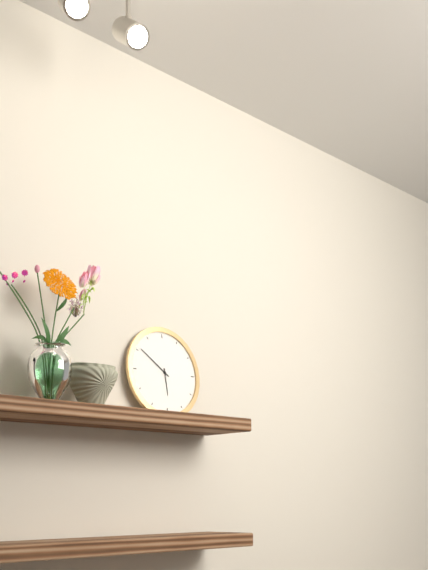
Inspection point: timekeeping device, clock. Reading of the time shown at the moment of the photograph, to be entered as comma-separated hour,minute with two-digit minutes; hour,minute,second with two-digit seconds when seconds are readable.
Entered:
5,51
